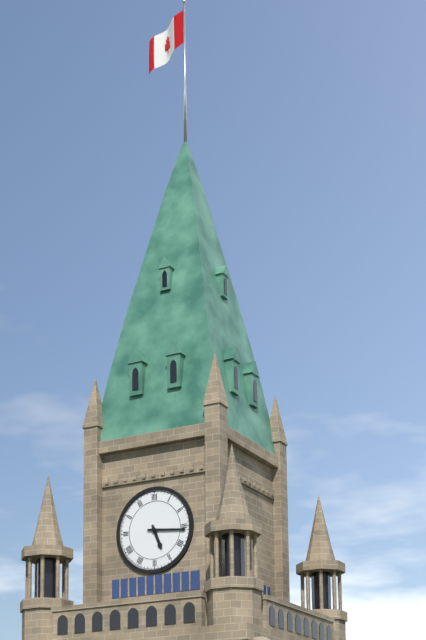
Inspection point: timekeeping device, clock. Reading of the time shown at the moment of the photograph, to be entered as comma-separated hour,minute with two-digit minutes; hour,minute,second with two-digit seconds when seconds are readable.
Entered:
5,16
